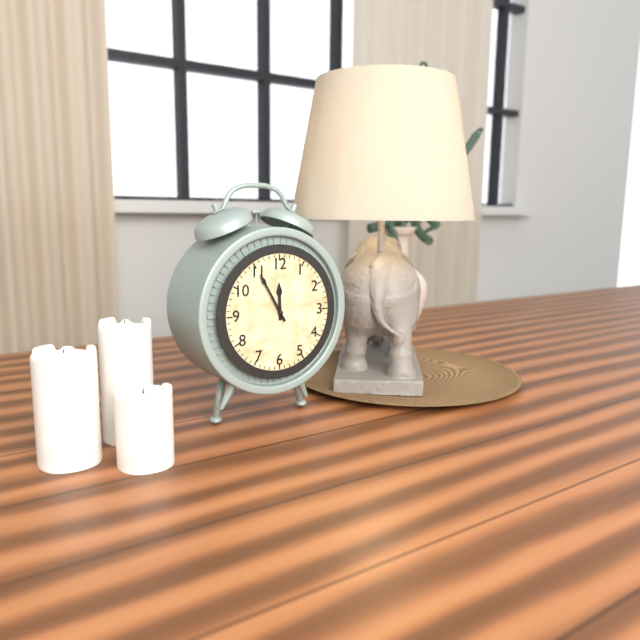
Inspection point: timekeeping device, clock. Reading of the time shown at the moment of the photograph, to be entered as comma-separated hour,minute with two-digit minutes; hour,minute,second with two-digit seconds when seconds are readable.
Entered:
11,55
